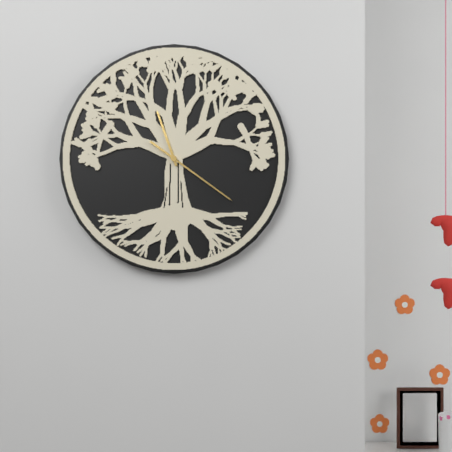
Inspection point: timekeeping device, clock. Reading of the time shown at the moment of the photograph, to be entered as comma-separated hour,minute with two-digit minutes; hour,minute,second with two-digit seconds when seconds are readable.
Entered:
11,21
